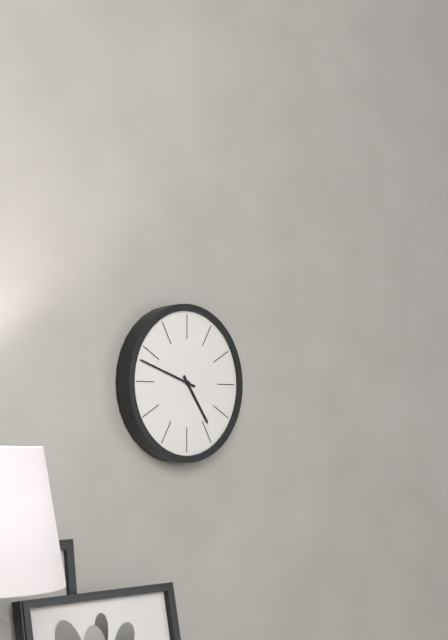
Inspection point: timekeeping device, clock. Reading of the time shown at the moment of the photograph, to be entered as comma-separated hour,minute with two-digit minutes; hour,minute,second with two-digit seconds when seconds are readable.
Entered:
4,48
